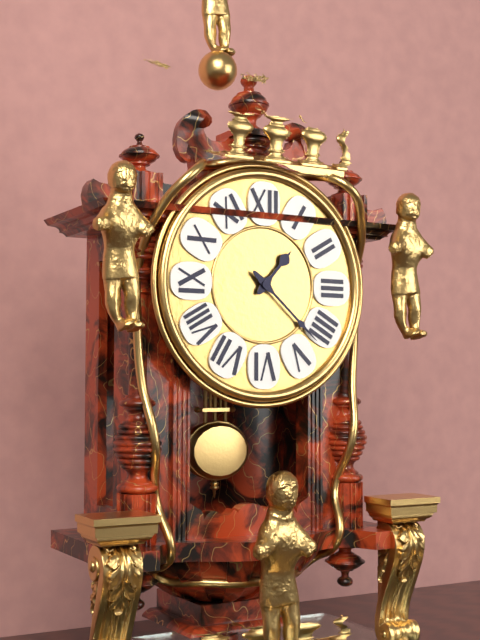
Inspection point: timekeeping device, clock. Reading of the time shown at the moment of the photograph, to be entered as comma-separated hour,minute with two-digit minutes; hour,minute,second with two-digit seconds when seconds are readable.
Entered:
1,22
